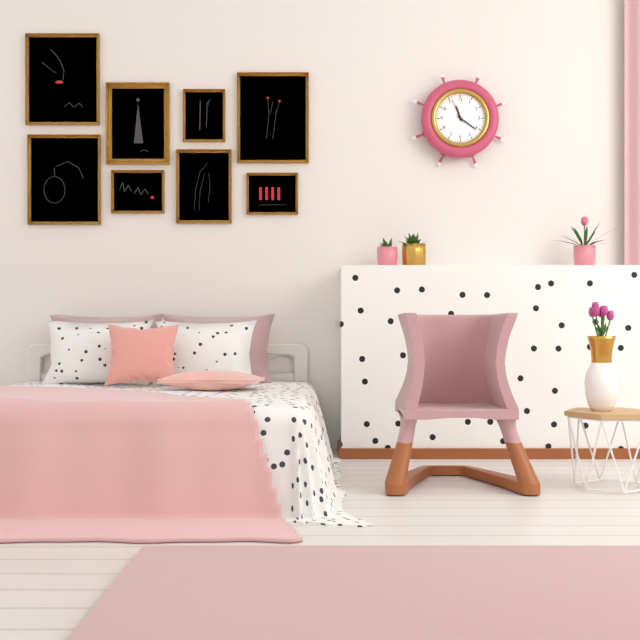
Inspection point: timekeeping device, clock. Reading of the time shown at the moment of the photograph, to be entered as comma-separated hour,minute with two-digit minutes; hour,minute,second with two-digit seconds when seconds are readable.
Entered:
11,21
